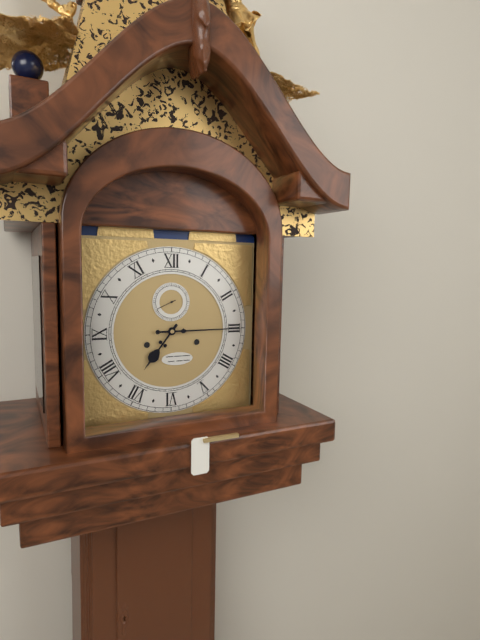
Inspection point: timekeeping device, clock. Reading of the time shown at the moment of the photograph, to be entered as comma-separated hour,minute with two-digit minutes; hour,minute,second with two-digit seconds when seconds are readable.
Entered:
7,15
